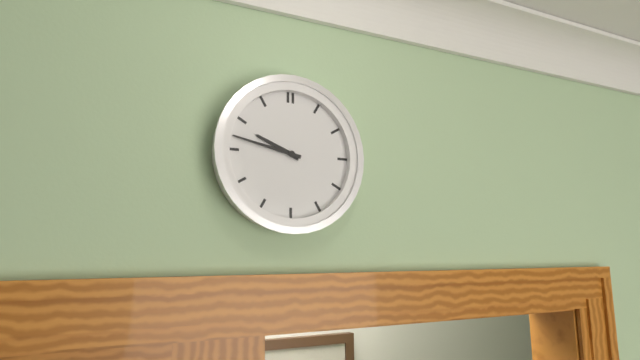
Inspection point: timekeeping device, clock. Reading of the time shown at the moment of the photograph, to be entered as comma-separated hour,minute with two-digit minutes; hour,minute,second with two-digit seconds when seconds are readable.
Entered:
9,47
